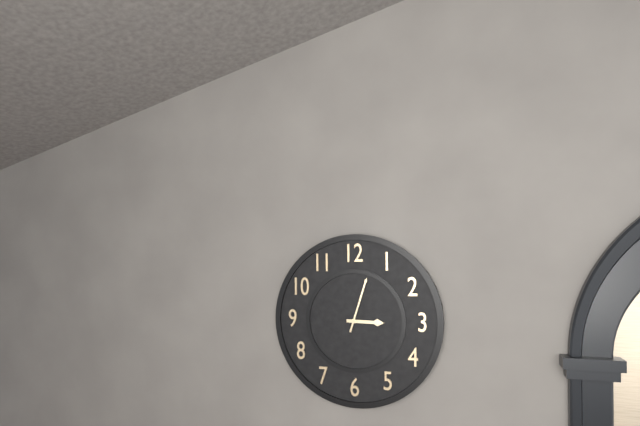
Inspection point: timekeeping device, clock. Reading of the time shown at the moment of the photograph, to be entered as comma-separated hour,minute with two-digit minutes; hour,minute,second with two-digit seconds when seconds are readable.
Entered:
3,03
